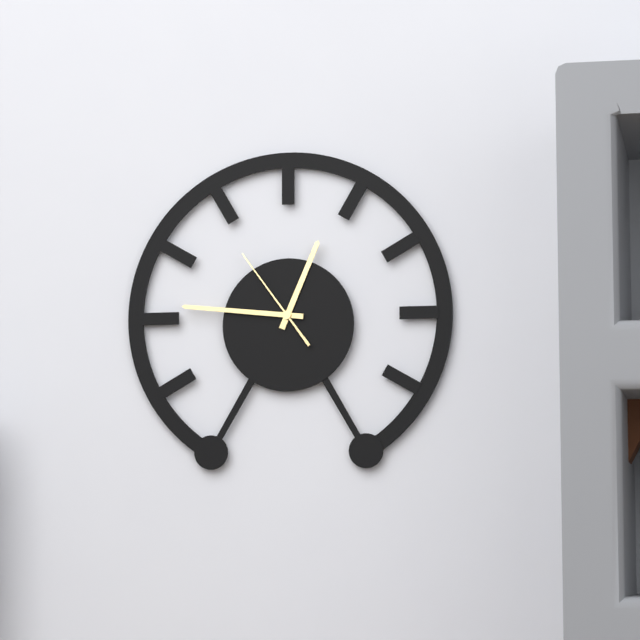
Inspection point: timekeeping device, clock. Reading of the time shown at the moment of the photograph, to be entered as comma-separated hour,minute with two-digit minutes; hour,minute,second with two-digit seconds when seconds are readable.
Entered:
12,46,54
